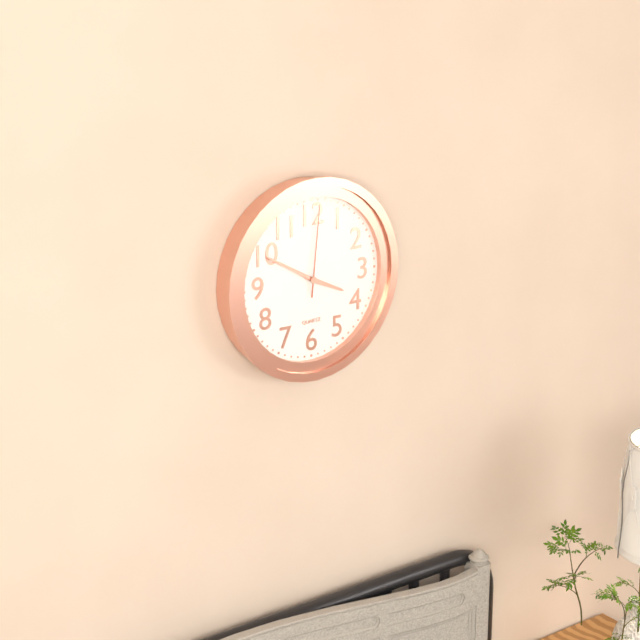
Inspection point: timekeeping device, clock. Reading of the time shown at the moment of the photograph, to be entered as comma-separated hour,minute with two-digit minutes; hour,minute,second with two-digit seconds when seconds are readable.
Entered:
3,50,01
